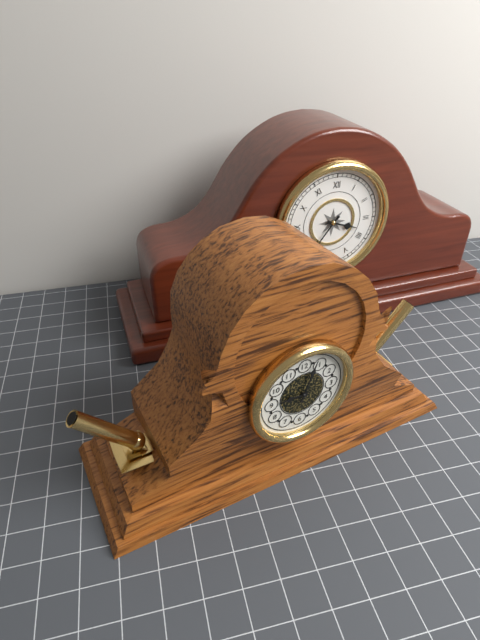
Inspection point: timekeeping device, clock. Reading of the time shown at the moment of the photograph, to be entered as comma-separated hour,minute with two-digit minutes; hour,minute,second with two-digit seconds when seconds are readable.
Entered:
9,03
